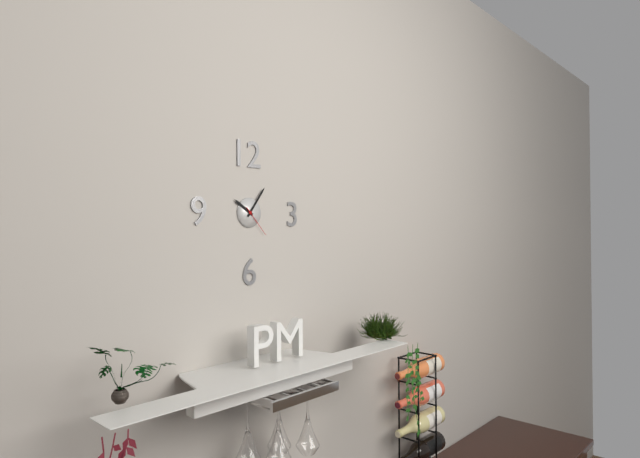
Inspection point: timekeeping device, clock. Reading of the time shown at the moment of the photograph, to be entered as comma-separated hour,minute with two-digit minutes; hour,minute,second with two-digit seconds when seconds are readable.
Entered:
10,06
